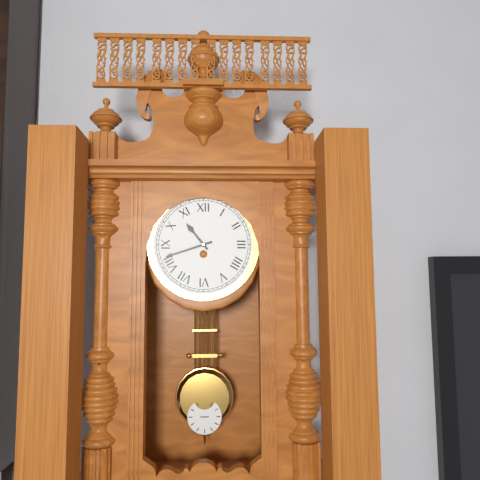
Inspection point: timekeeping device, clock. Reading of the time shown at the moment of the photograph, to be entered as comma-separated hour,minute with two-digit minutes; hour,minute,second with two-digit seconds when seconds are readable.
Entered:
10,42
